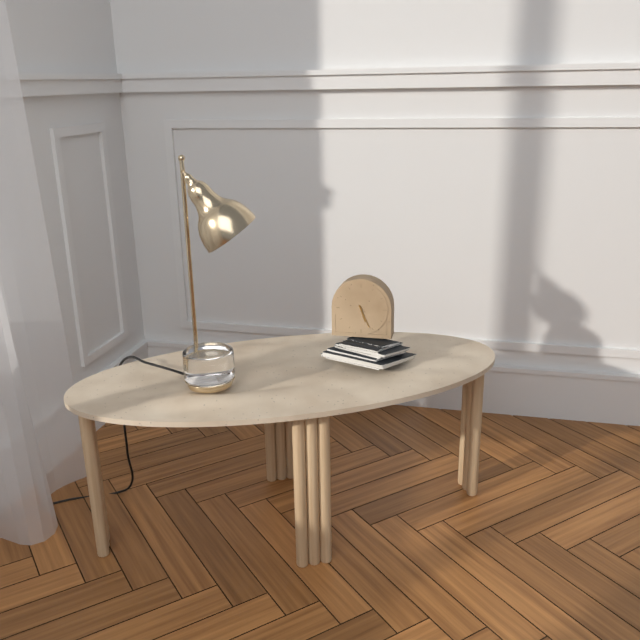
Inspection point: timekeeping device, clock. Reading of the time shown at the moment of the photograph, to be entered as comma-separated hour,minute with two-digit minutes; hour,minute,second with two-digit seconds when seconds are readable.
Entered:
5,26
